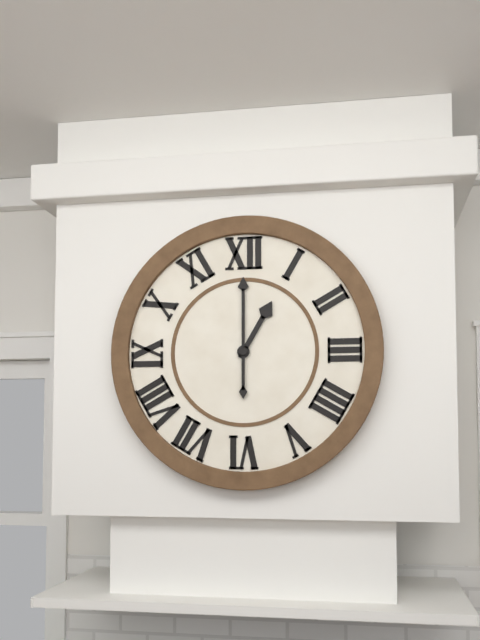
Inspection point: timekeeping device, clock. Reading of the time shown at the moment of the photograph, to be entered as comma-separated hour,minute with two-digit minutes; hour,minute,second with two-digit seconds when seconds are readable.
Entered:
1,00
